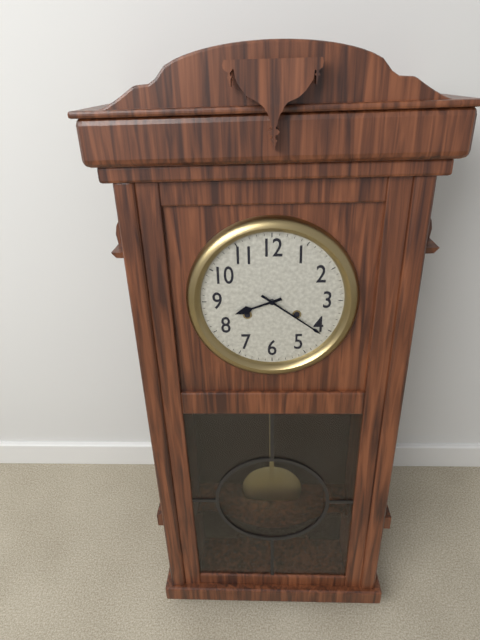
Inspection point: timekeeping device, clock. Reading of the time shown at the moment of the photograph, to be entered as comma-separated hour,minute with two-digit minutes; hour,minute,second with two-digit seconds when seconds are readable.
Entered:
8,21
